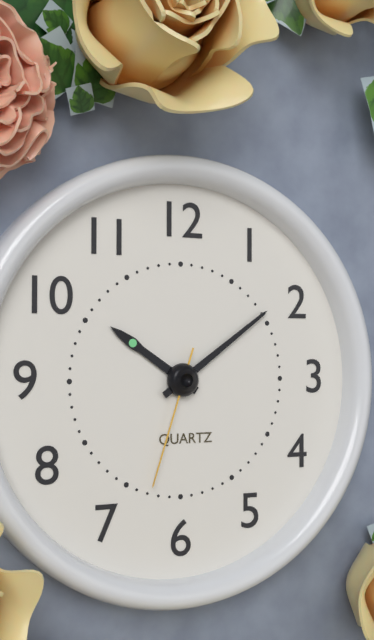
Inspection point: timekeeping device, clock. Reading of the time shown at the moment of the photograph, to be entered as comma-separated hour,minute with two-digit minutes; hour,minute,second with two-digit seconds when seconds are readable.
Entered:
10,09,33
